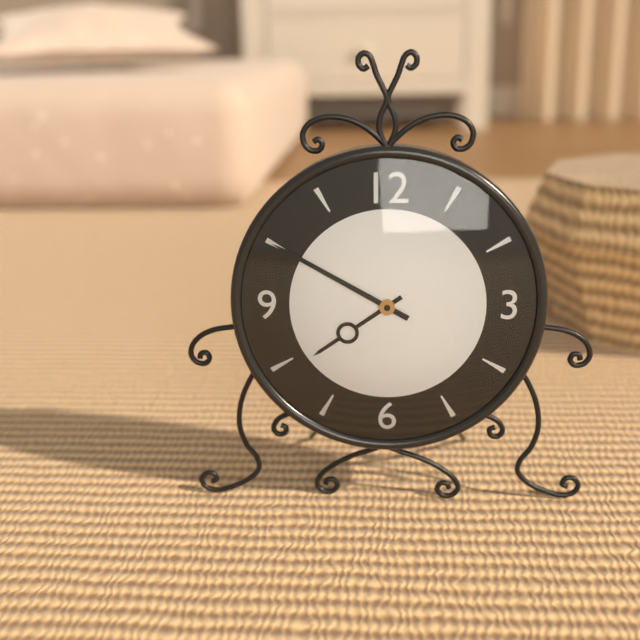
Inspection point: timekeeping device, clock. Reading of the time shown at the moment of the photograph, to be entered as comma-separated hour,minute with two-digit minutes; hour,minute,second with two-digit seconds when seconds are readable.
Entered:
7,50
